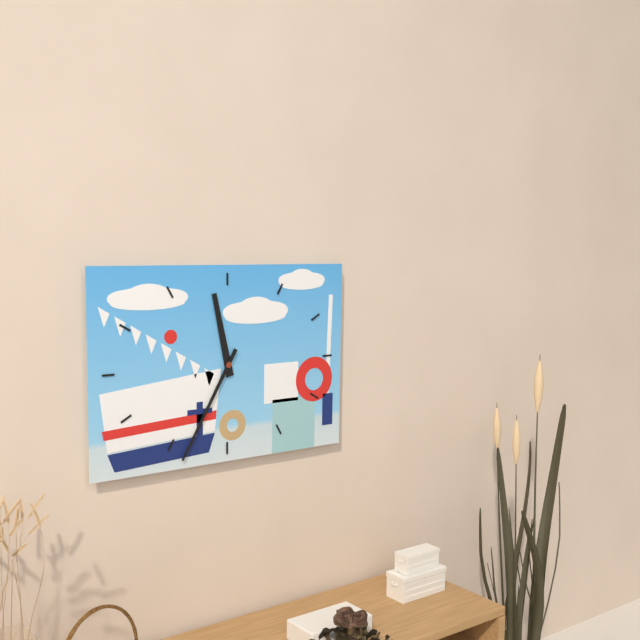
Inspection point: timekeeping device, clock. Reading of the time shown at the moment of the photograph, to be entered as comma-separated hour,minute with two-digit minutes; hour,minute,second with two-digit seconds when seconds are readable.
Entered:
11,35
